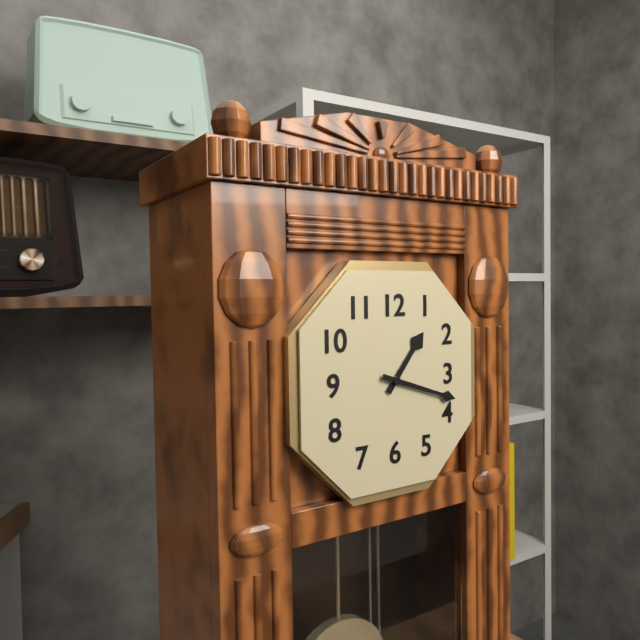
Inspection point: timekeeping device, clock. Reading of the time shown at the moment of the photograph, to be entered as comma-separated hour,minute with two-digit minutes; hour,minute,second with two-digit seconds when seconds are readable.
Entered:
1,18
